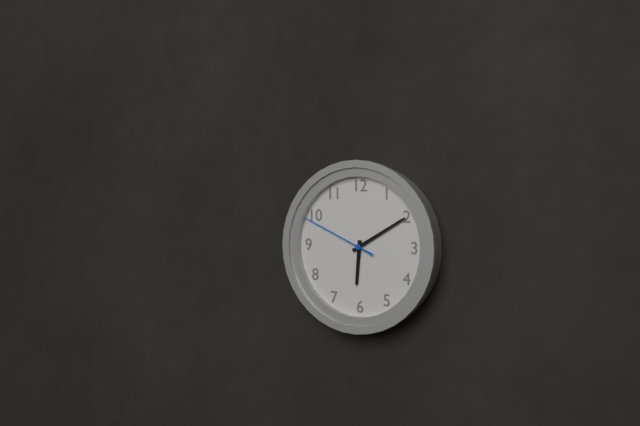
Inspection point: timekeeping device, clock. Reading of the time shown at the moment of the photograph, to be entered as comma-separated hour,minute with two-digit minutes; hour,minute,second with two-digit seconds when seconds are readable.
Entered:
6,10,49
